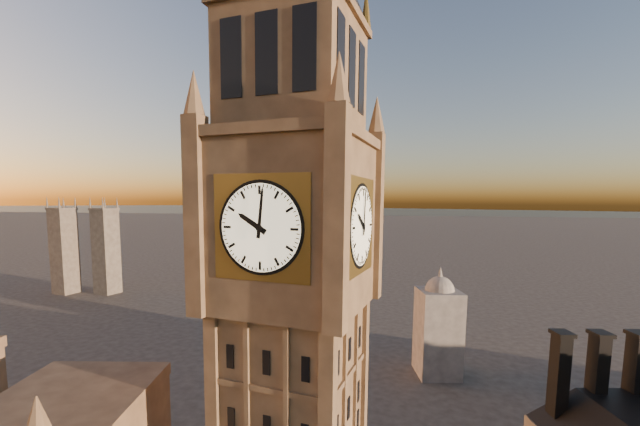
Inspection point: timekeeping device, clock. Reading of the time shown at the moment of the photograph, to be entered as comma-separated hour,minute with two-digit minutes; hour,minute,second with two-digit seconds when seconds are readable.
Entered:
10,01
